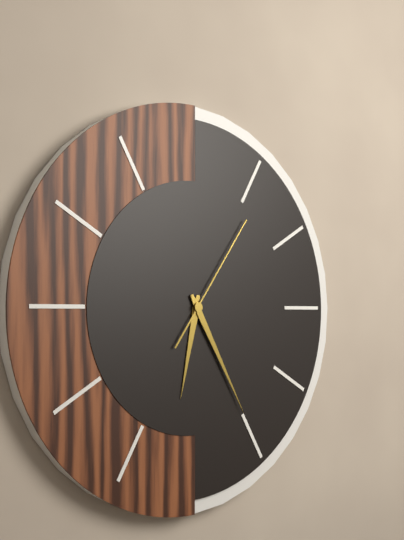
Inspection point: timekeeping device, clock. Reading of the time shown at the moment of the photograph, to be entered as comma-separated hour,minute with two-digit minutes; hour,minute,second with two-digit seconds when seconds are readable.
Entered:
6,25,06
